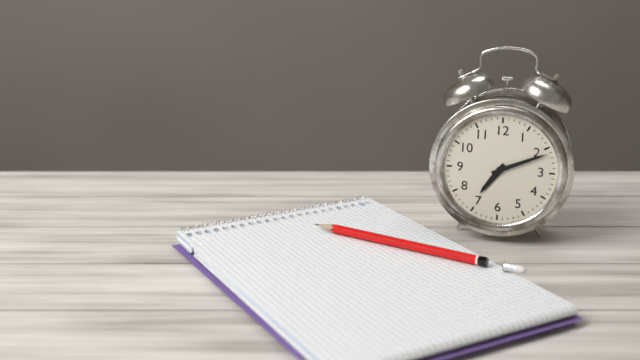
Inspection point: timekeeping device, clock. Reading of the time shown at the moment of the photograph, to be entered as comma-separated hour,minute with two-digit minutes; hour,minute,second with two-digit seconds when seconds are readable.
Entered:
7,11
